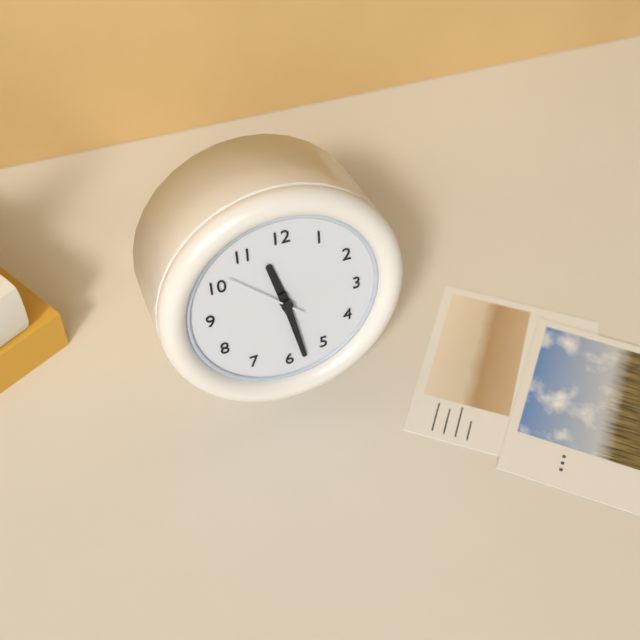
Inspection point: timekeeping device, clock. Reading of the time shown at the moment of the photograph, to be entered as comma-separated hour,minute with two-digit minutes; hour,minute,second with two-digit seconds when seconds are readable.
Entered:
11,28,52
